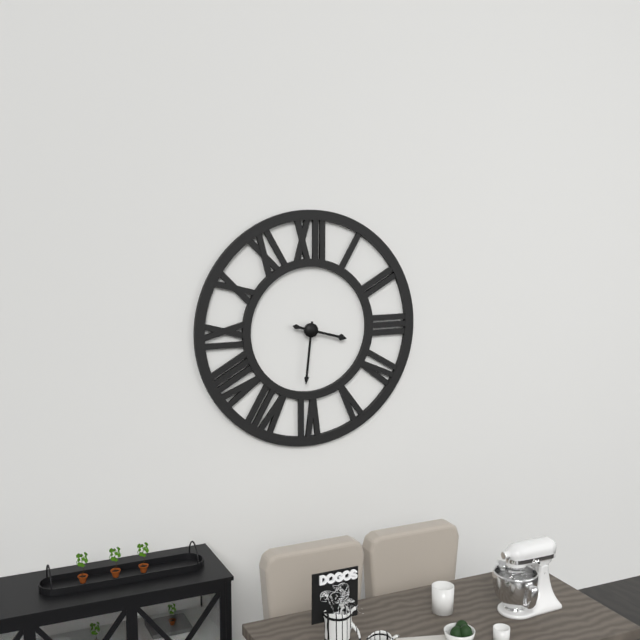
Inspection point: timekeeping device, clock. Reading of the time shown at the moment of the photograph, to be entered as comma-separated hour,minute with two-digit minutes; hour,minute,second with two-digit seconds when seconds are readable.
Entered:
3,31
